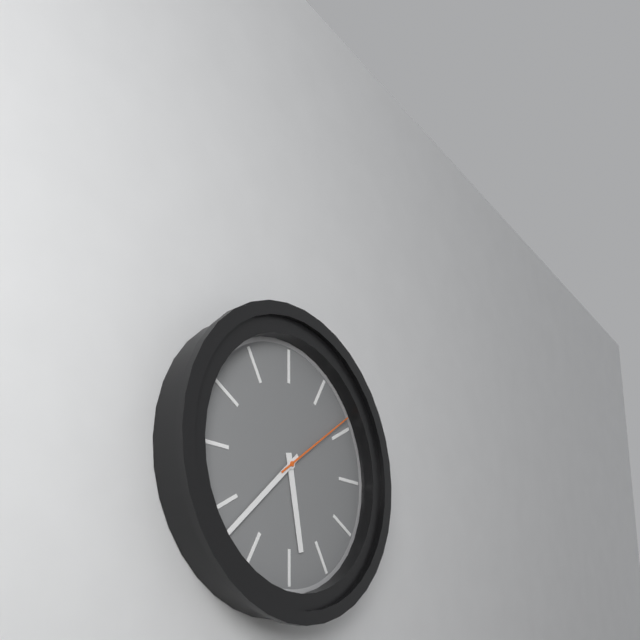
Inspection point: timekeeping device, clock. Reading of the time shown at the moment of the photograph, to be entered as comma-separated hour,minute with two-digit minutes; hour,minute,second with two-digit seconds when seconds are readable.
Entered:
5,38,09
